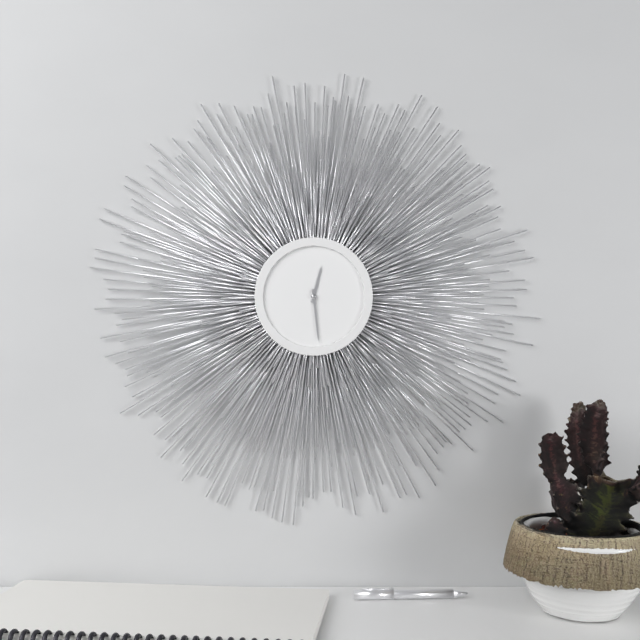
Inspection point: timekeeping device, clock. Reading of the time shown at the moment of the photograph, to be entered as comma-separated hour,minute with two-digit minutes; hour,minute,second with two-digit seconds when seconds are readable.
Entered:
12,29
